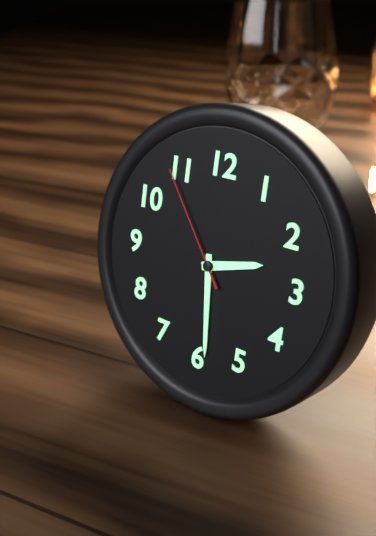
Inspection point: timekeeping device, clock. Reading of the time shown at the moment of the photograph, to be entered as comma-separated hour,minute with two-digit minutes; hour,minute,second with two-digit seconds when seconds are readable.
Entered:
2,29,54
